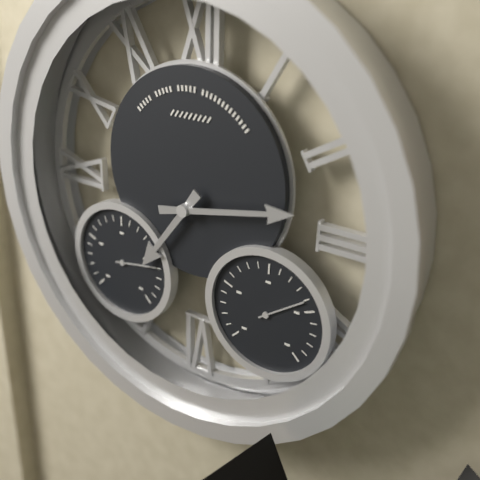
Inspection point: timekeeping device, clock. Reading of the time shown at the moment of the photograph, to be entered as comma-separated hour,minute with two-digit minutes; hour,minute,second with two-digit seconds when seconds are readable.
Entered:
7,13
